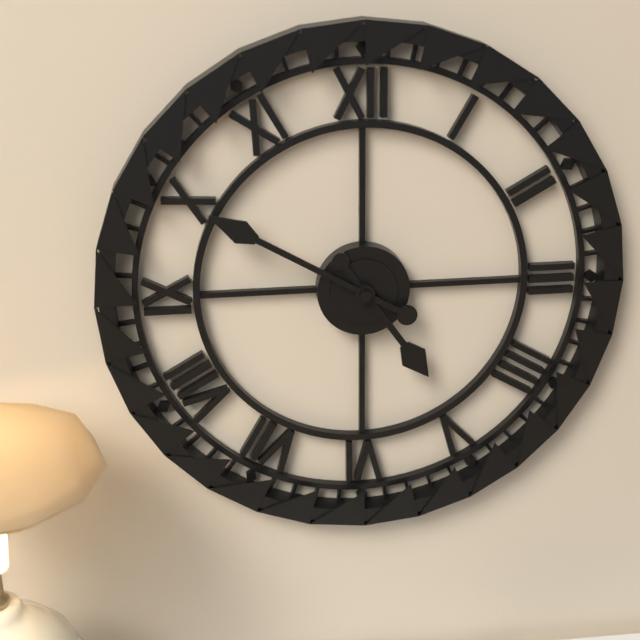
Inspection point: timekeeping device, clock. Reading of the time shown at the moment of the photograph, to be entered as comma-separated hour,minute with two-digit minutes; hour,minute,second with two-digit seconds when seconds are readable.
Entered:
4,50
